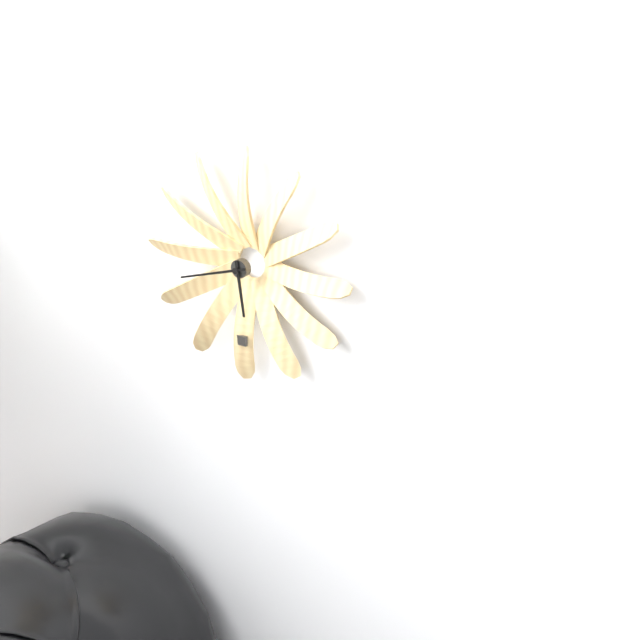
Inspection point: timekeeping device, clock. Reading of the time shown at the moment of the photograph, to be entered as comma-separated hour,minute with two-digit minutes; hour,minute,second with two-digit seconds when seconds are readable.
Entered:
5,42
